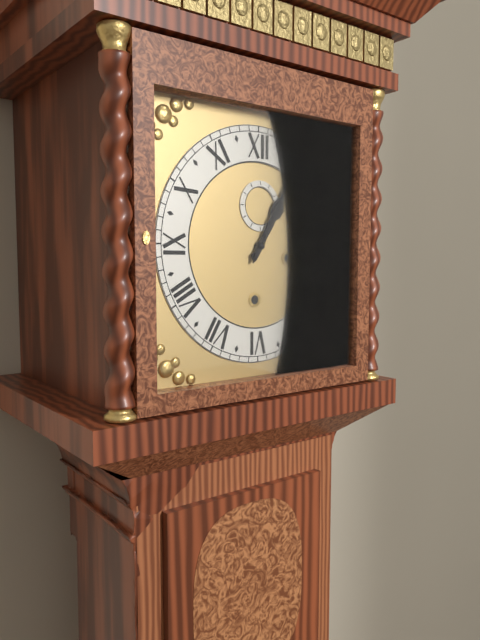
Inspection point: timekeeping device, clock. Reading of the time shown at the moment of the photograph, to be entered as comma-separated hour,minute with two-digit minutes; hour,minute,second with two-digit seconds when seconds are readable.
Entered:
1,05
